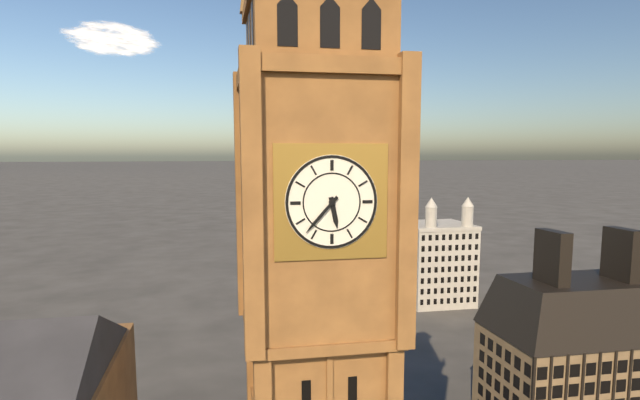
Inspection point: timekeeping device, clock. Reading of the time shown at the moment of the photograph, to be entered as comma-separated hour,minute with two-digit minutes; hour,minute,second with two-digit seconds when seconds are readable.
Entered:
5,37
